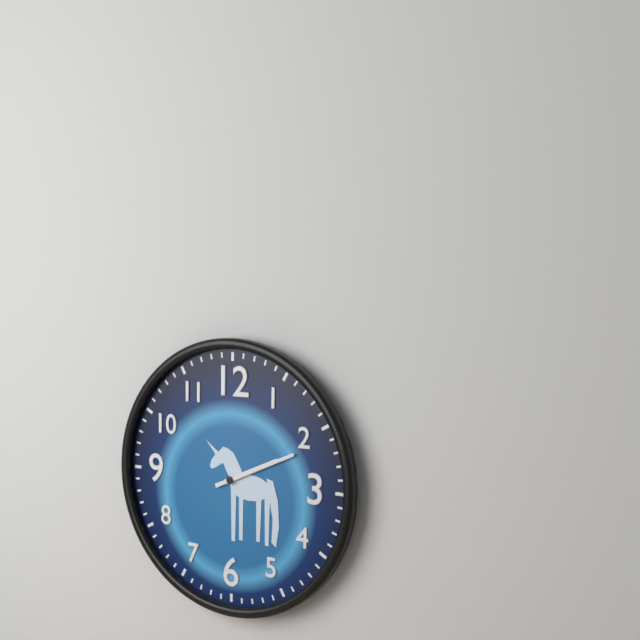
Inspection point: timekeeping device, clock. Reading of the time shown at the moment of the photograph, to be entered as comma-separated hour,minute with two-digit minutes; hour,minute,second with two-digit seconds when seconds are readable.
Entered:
2,11
